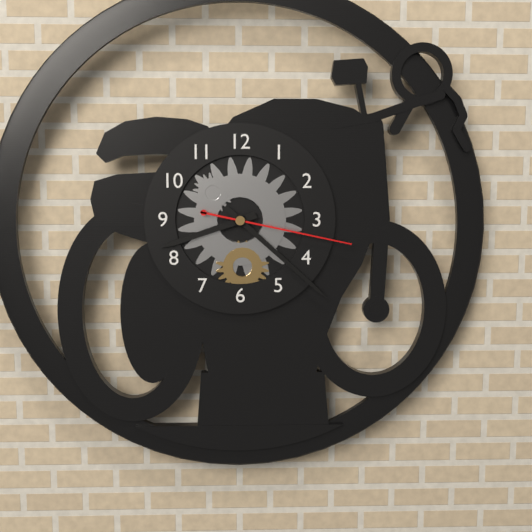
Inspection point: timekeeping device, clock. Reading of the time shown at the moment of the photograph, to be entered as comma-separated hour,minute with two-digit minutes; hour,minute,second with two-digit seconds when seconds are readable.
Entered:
8,22,17
